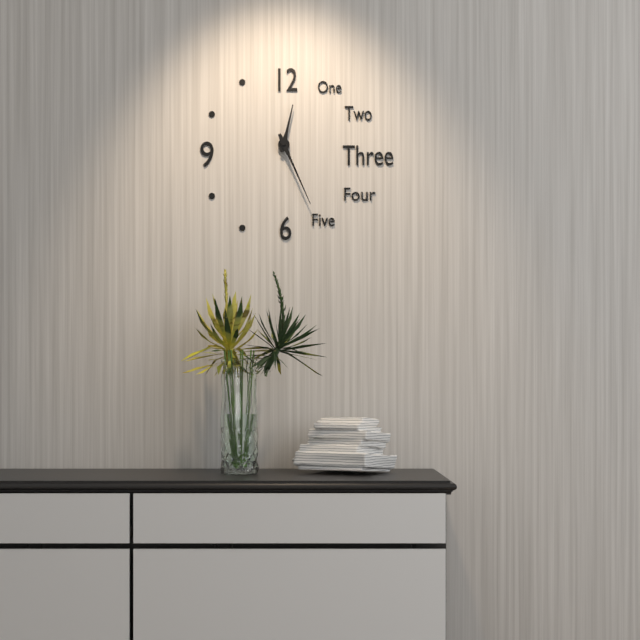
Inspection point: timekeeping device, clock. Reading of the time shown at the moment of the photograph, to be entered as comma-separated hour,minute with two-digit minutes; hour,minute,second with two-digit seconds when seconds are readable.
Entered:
12,26
